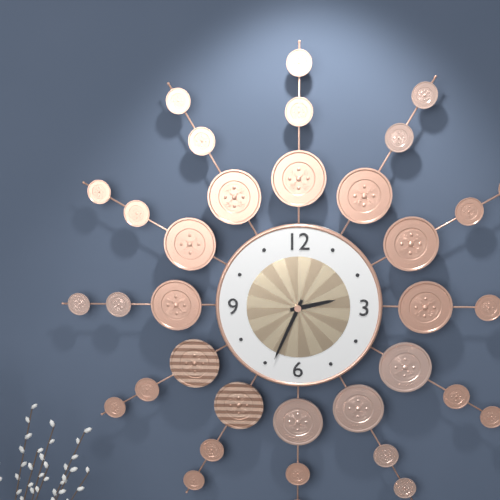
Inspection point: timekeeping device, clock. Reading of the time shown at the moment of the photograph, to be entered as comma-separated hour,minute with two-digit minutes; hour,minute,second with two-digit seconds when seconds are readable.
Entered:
2,34
